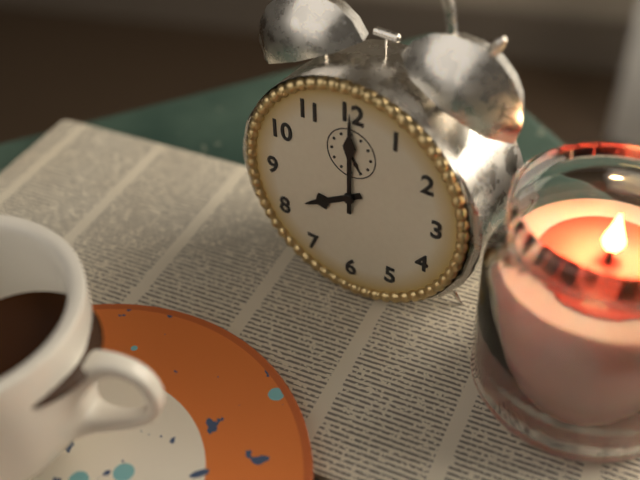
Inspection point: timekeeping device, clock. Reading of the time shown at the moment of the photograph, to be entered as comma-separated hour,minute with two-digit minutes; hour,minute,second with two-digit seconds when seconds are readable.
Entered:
8,00
